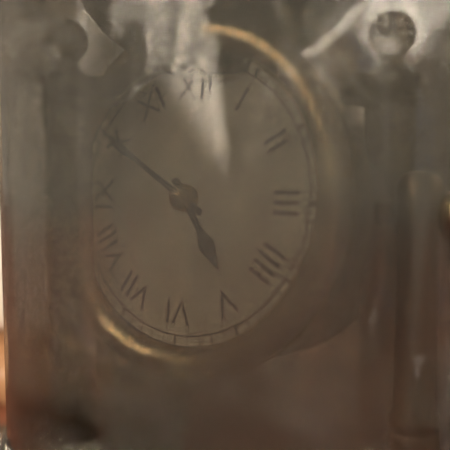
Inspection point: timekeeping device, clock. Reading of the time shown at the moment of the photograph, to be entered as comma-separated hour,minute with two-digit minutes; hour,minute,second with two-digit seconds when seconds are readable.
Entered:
4,50
